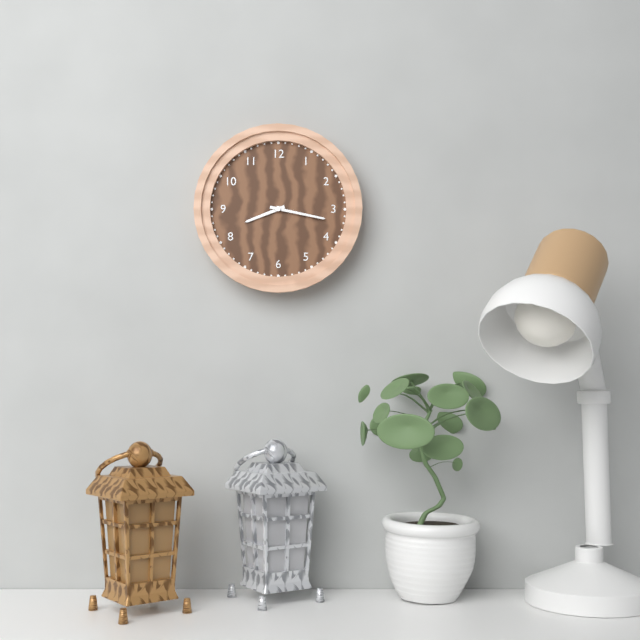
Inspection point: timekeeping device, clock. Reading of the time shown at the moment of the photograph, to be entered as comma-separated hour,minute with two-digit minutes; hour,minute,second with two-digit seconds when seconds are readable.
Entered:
8,17
